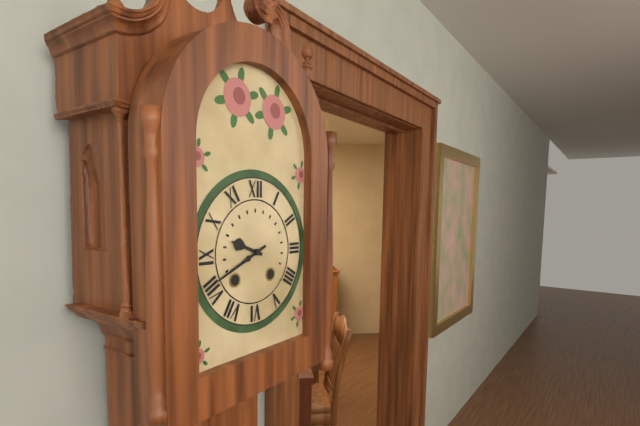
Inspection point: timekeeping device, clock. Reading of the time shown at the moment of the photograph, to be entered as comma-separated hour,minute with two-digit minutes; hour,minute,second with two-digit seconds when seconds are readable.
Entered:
9,41
